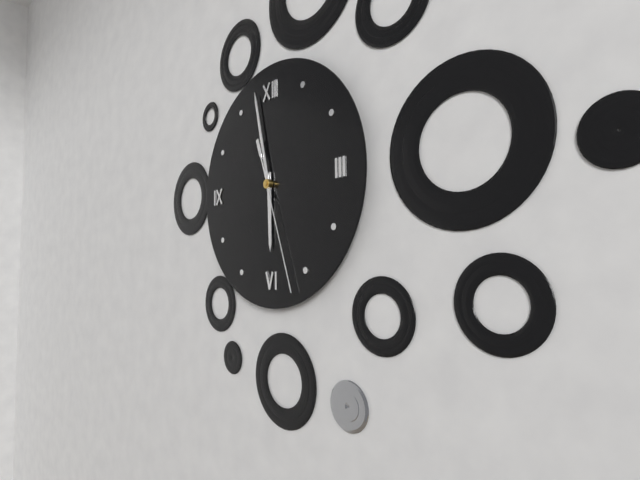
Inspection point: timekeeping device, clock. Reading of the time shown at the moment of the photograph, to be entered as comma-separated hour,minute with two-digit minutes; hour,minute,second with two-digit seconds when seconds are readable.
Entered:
5,58,27
